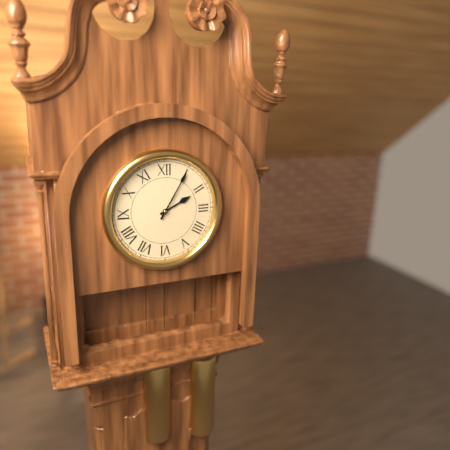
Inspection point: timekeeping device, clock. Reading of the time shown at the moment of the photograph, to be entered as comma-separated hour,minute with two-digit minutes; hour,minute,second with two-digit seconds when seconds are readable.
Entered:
2,05
